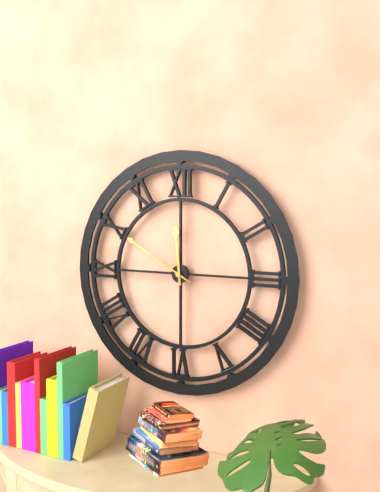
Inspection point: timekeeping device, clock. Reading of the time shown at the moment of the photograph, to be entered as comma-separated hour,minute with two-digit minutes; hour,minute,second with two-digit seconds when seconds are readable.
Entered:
11,50
